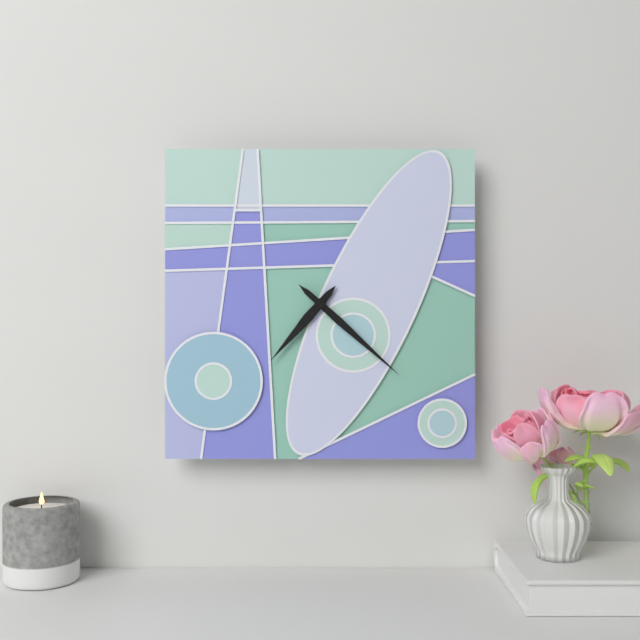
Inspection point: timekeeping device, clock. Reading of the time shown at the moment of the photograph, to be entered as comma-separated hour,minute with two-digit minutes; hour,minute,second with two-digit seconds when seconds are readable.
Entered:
7,22
